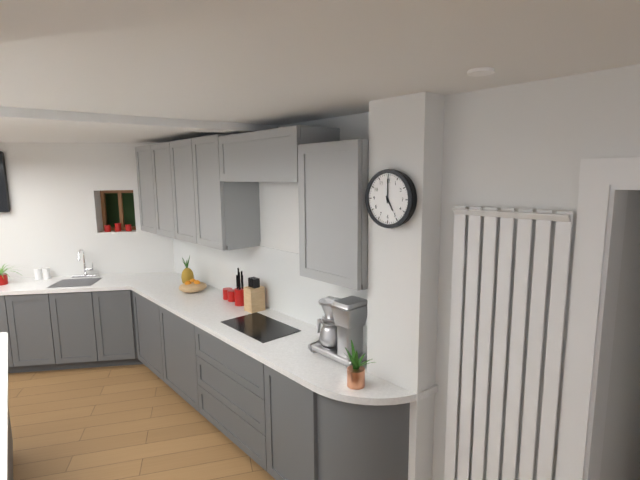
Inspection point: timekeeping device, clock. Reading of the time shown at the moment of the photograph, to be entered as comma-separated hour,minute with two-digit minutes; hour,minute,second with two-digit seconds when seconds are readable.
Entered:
5,00
